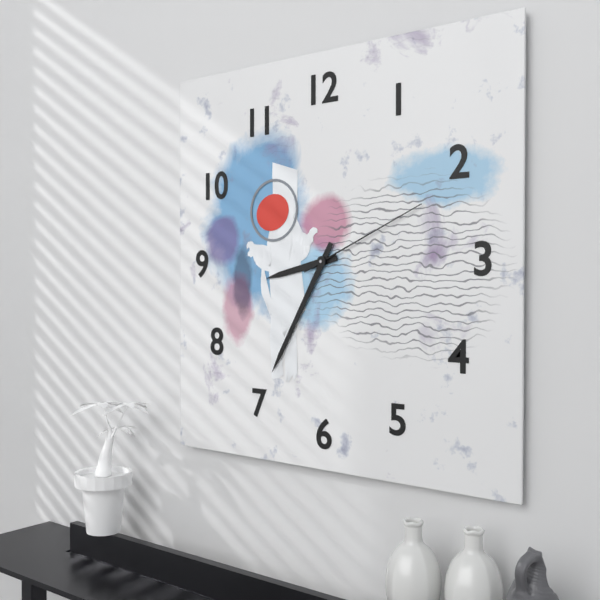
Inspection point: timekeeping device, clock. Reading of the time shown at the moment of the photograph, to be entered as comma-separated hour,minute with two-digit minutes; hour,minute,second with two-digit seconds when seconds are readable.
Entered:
8,35,11
